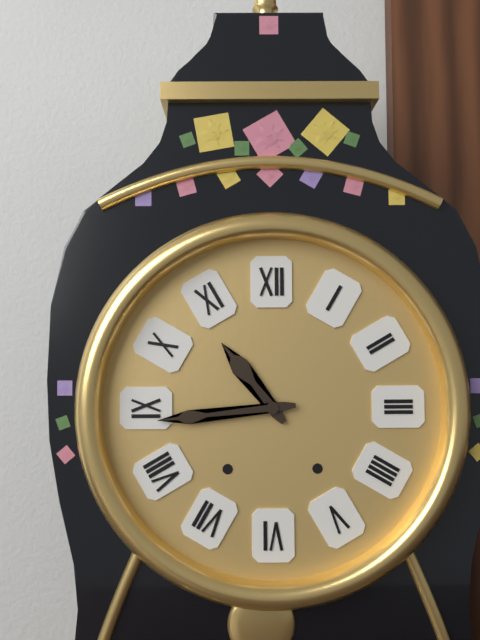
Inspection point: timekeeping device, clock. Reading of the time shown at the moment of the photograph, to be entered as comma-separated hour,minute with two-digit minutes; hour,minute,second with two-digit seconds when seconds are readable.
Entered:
10,44
